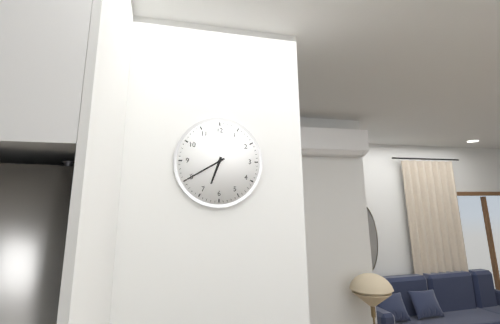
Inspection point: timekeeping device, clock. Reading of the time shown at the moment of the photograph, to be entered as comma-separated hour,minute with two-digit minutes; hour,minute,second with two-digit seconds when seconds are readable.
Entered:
6,40
